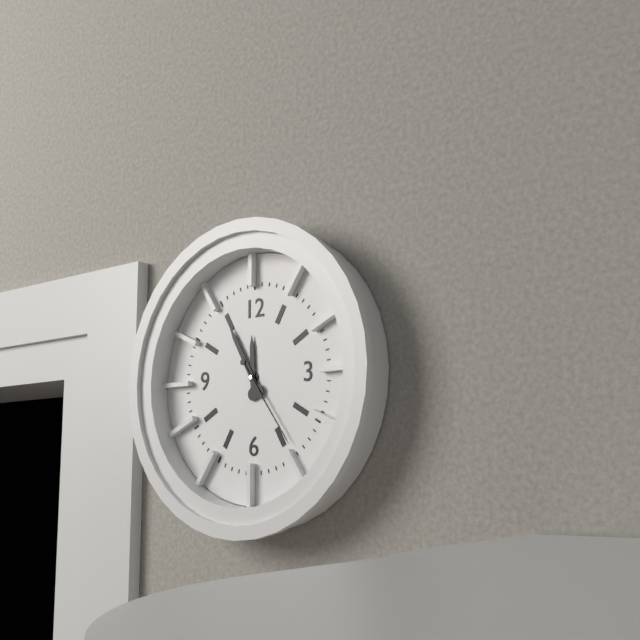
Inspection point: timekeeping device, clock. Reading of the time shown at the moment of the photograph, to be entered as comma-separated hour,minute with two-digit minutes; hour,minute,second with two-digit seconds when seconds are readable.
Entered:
11,55,24
